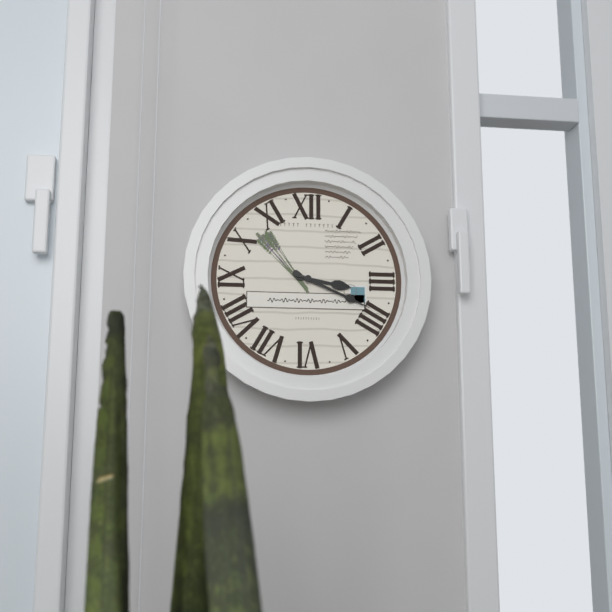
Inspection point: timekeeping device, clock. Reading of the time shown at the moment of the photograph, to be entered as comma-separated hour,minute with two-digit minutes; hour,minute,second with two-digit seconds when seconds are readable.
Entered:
3,19
